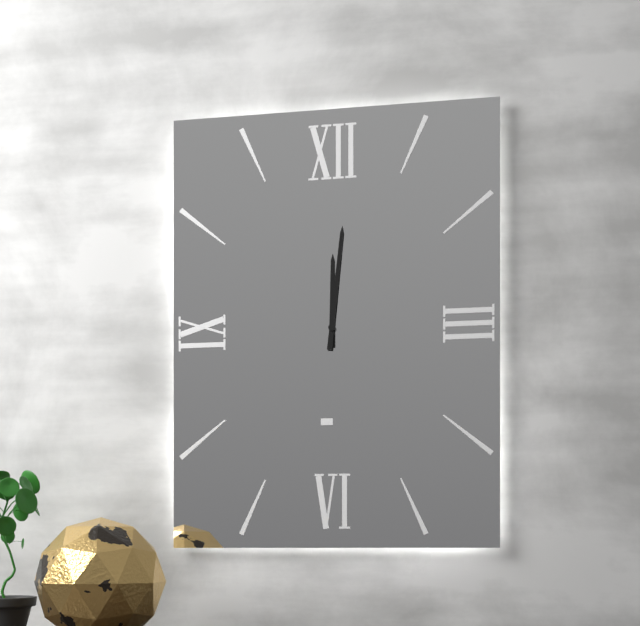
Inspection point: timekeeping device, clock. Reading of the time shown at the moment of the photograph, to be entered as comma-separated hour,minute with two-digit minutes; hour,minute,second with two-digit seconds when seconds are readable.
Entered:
12,01
